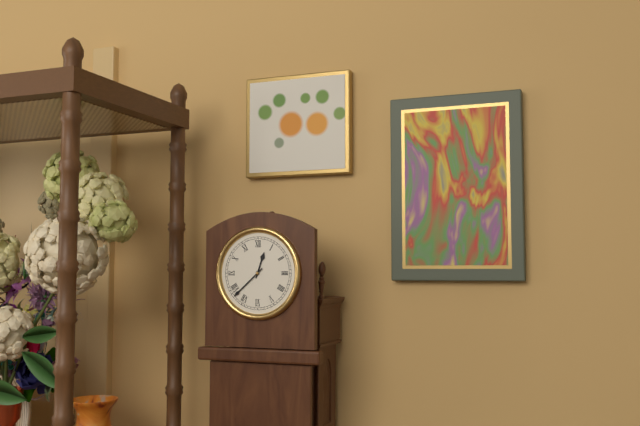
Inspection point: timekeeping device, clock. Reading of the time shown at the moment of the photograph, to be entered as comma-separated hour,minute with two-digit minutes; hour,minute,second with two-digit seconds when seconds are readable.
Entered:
12,38
